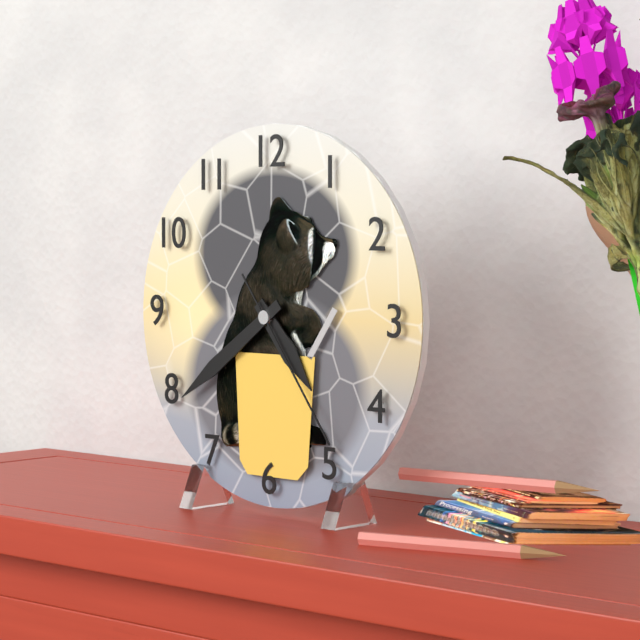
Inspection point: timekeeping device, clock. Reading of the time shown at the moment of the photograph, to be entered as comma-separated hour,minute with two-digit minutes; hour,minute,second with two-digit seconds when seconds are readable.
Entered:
4,39,24
